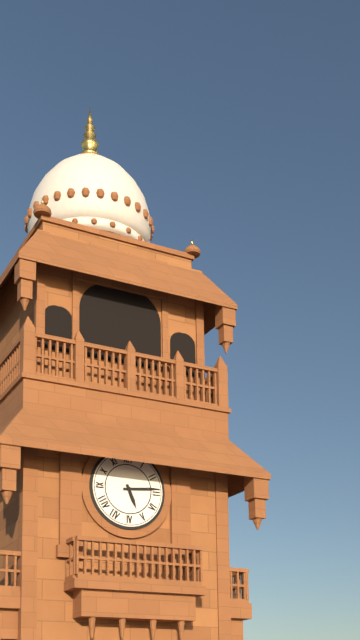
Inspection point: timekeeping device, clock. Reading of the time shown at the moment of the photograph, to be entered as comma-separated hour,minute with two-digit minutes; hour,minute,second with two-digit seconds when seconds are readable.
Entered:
5,14
